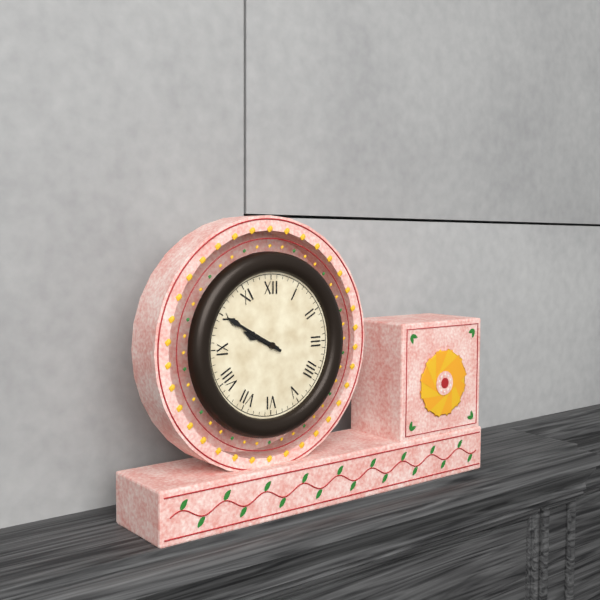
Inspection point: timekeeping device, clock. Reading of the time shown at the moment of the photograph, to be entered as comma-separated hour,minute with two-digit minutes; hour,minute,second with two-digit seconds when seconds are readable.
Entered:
9,50
